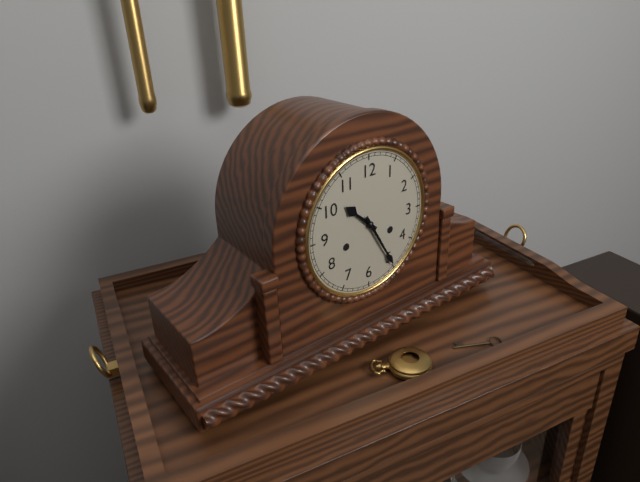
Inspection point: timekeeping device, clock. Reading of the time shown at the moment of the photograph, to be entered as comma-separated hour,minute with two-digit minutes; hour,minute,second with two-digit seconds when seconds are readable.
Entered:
10,25
